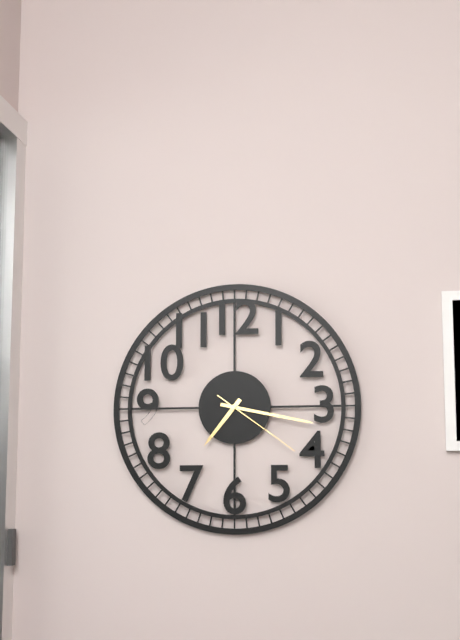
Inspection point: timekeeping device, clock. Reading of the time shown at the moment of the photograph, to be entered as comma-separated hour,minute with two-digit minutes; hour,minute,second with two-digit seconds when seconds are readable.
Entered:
7,17,21
